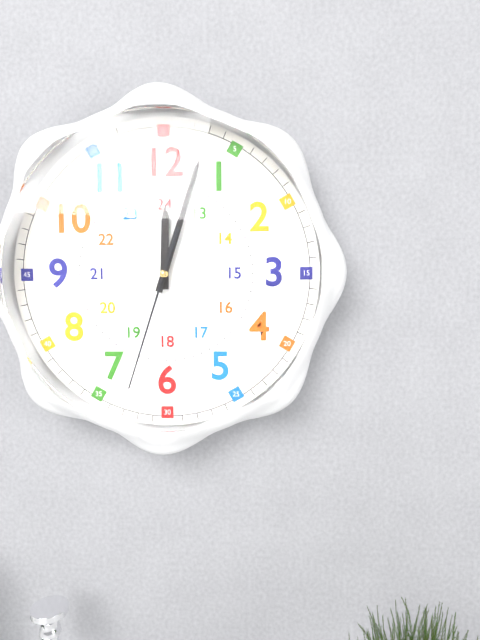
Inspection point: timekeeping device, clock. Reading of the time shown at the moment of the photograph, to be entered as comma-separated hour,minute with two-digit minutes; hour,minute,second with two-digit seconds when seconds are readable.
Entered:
12,03,33
